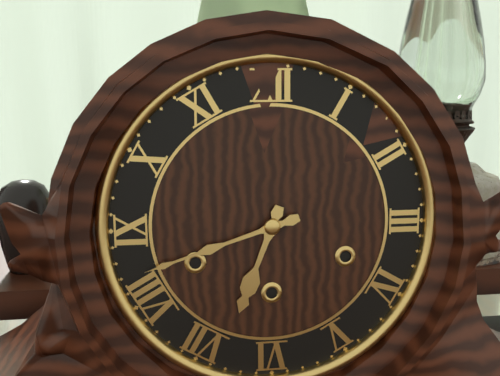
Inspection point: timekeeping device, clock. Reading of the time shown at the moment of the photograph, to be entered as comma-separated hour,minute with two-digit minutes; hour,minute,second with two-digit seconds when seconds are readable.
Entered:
6,42
